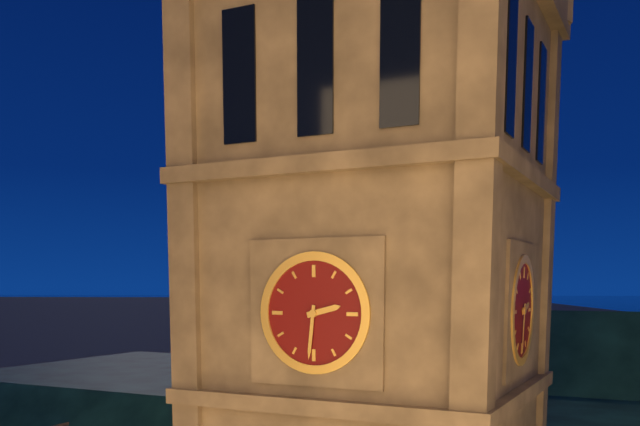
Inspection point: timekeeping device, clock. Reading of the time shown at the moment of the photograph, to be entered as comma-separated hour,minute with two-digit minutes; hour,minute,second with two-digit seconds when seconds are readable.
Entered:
2,31
